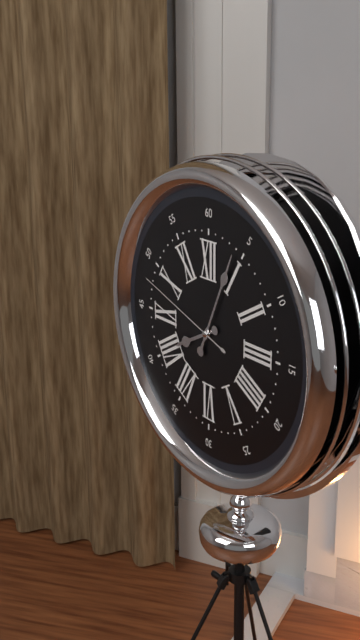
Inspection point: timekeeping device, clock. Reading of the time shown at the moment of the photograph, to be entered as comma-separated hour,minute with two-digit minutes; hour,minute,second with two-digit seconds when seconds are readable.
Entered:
8,04,48
